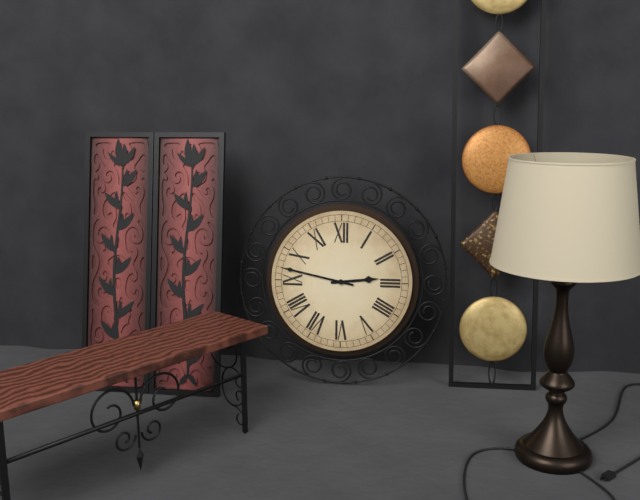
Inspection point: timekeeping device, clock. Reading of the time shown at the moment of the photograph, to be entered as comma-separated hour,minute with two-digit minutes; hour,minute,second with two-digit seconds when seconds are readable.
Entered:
2,47
